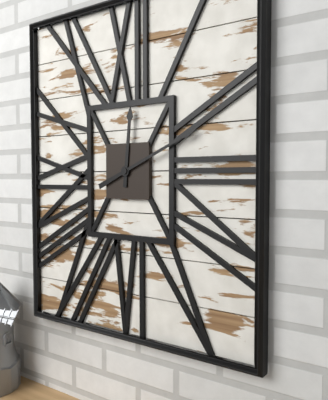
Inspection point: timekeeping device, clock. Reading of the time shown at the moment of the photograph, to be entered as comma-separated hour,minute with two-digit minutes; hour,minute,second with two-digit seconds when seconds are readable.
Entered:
12,11
